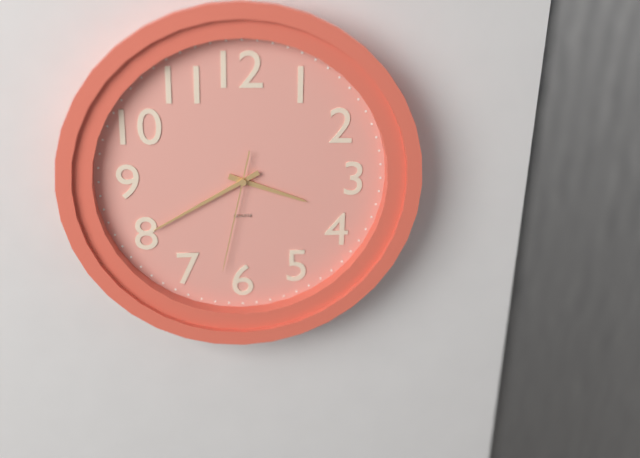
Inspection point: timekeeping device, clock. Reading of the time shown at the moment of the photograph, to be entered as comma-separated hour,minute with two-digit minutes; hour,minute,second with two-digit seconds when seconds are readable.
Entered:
3,40,32
